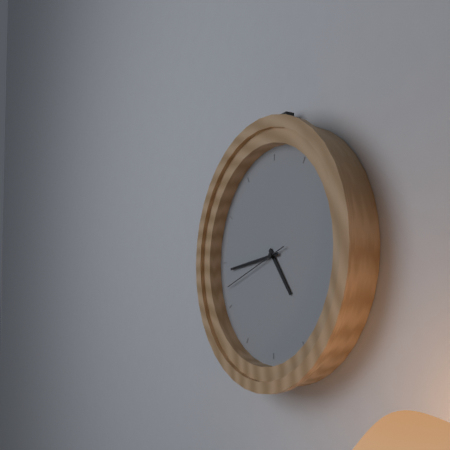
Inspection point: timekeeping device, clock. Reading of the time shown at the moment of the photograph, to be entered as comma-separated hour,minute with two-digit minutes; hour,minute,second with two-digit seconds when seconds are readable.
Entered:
4,44,42
